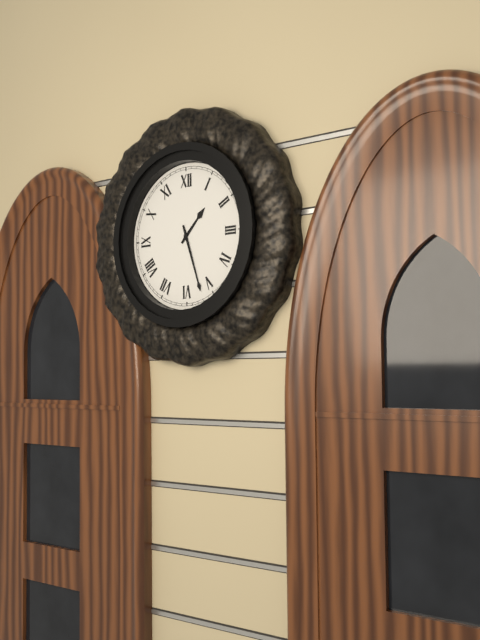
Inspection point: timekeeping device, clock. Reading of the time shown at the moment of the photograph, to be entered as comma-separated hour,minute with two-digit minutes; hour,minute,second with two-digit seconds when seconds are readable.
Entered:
1,27
